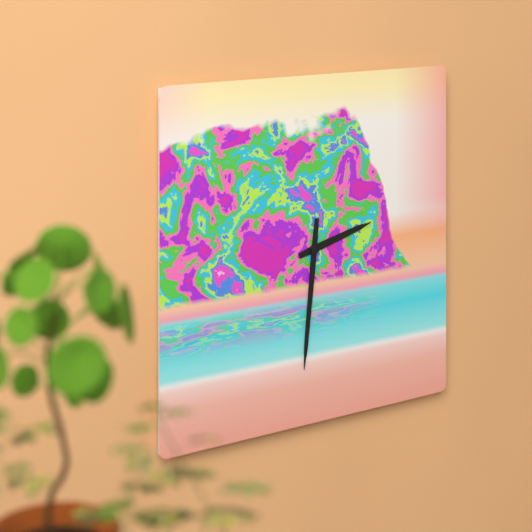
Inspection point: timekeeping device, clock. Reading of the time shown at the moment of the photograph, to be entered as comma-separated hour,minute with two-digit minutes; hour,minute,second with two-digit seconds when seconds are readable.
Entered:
2,31
